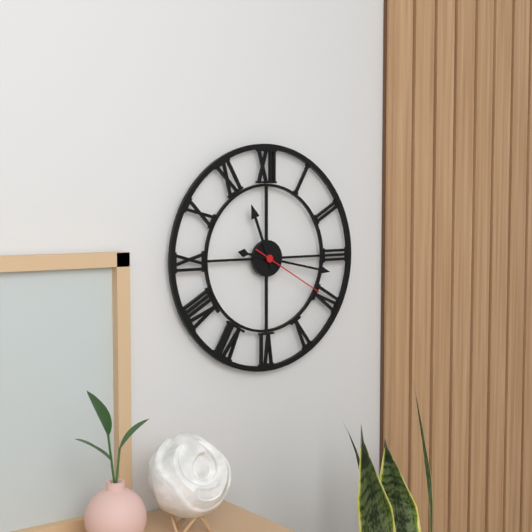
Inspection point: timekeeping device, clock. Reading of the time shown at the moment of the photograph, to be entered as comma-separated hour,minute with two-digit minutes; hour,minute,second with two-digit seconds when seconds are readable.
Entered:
11,17,20
